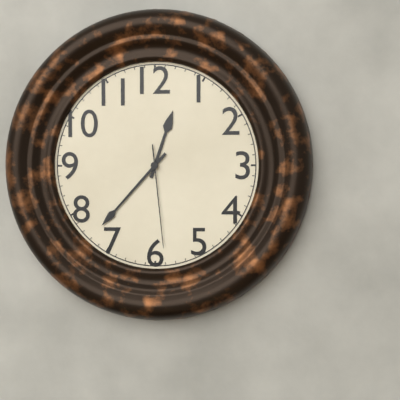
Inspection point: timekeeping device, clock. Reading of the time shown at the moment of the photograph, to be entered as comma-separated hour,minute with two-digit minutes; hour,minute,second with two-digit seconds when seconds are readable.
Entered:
12,37,29
